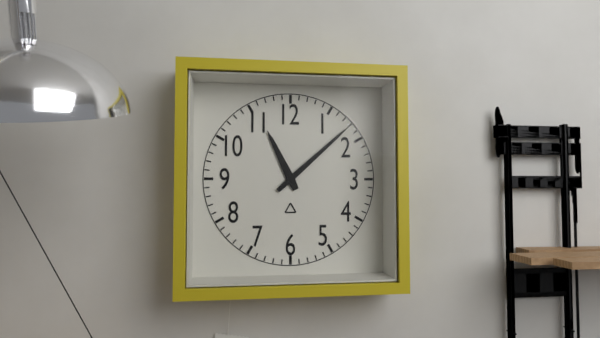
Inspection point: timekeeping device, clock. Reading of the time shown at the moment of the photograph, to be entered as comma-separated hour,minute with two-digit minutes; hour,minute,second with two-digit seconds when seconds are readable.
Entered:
11,08
